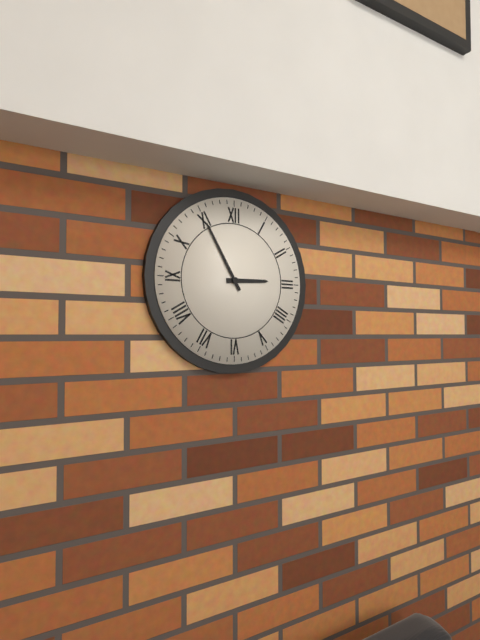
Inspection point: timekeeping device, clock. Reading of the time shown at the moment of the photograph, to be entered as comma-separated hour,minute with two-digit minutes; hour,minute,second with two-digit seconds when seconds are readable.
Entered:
2,55
